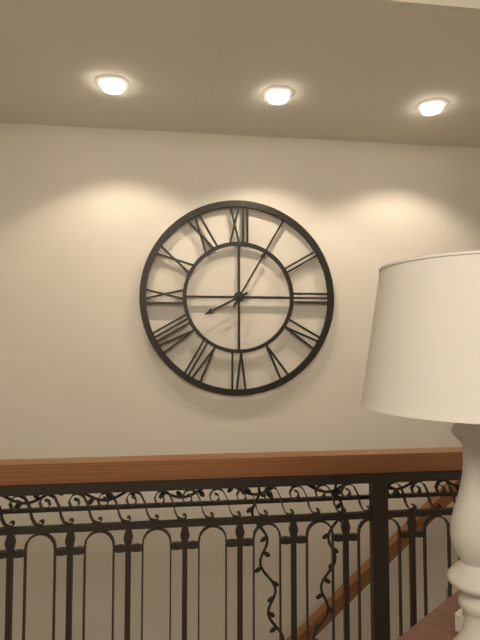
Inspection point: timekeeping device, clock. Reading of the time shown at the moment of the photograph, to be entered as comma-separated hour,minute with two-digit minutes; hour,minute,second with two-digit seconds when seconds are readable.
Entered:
8,05
